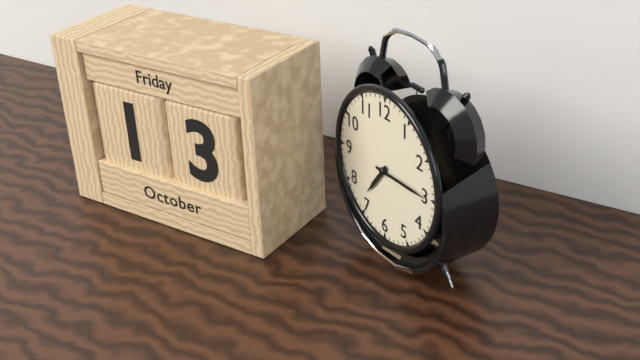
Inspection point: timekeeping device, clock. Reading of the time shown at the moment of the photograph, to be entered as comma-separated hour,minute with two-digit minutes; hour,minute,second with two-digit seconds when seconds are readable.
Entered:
7,15
